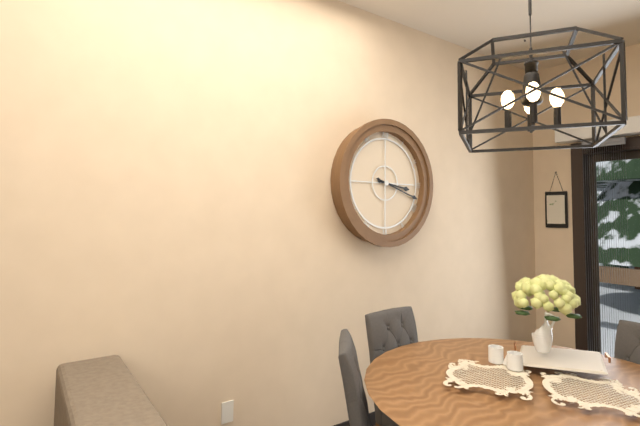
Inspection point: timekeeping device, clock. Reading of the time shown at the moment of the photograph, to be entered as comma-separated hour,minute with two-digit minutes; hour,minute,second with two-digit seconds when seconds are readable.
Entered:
3,18
